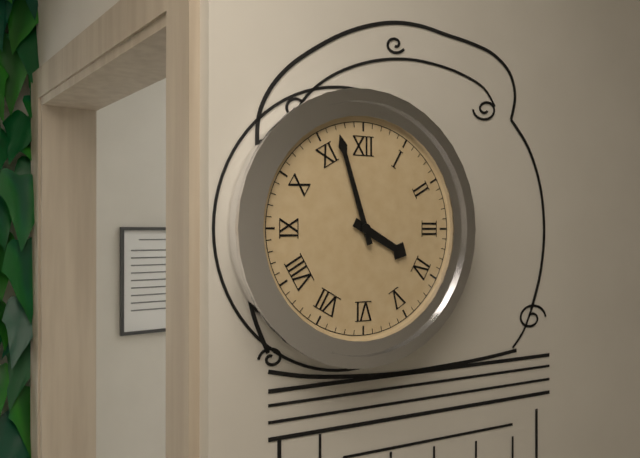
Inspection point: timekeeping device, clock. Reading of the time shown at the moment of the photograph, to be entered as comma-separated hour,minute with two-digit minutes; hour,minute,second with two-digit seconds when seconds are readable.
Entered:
3,57
